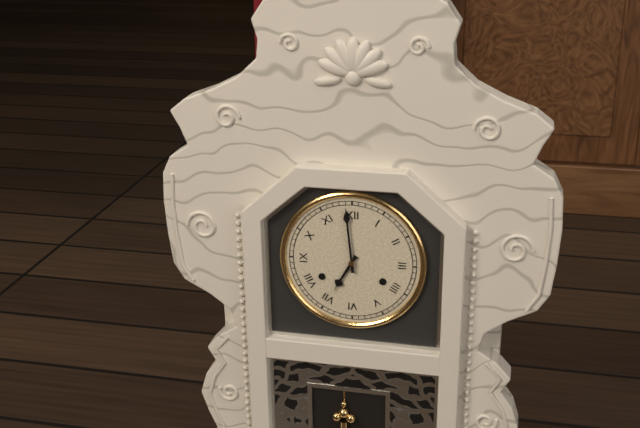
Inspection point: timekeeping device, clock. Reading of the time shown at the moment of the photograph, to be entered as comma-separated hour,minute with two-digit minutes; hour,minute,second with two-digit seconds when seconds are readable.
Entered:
6,59
